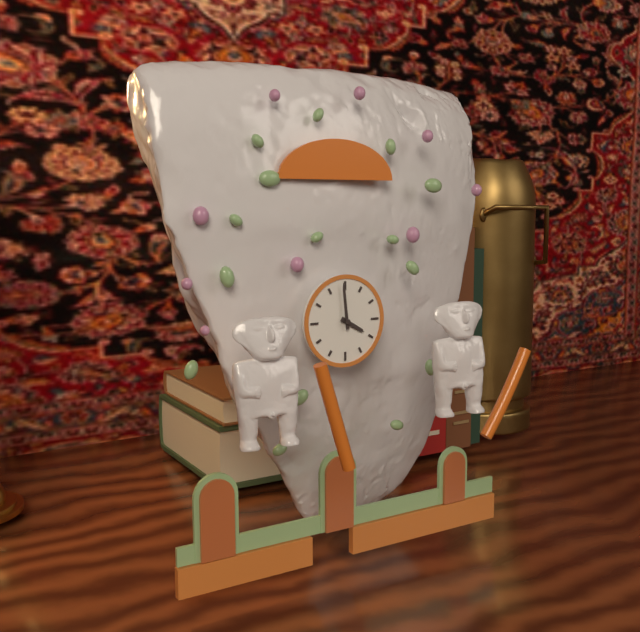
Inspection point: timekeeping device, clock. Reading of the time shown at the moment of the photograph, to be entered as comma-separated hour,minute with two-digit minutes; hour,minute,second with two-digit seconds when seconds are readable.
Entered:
3,59
